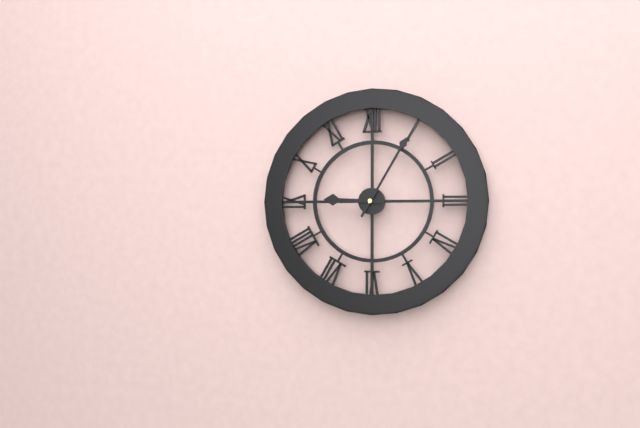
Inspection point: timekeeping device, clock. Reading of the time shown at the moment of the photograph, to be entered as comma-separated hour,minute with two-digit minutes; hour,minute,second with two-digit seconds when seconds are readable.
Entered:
9,05
